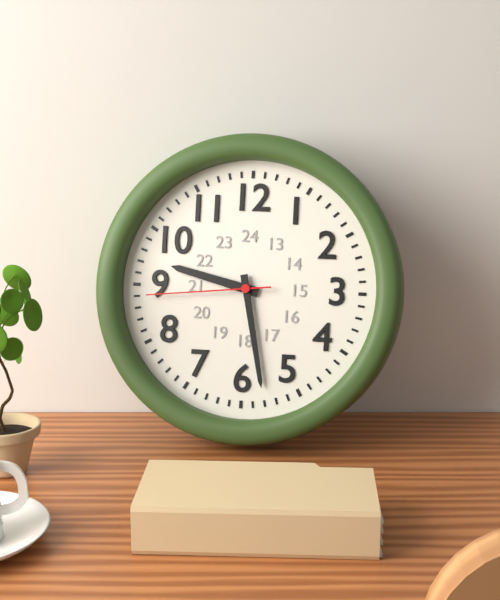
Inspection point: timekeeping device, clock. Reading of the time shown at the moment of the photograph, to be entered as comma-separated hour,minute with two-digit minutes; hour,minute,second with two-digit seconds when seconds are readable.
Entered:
9,28,44
